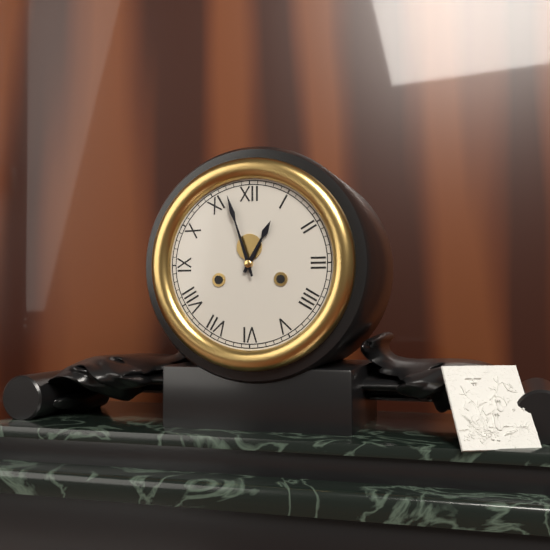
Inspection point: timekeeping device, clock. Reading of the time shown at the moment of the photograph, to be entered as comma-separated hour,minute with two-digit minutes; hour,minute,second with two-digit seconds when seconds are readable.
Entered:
12,57
